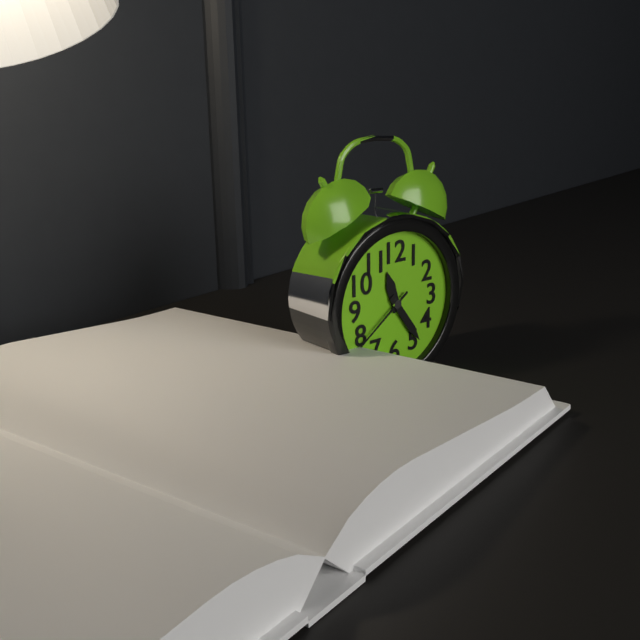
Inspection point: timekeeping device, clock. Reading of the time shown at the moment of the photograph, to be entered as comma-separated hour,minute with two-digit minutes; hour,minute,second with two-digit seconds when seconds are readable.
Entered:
11,24,39
